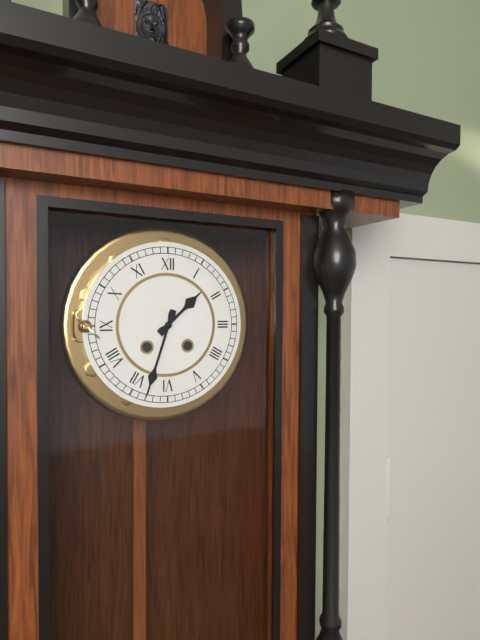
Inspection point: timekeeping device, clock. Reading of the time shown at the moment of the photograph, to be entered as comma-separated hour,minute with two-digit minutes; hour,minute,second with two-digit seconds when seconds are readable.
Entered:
1,33
